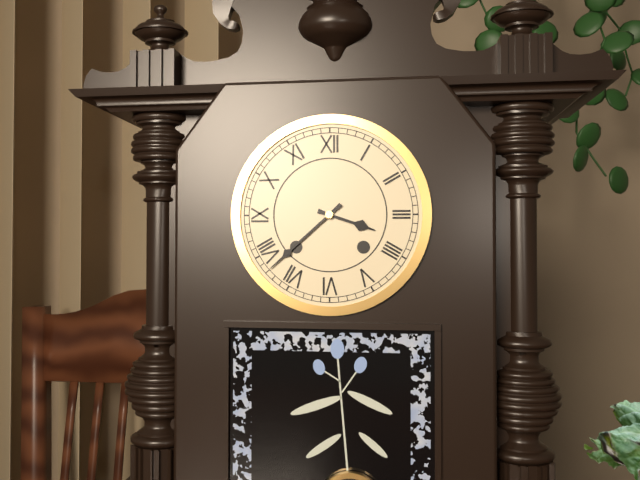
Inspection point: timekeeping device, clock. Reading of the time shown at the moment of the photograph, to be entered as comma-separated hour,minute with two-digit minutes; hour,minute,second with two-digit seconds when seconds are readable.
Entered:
3,38
